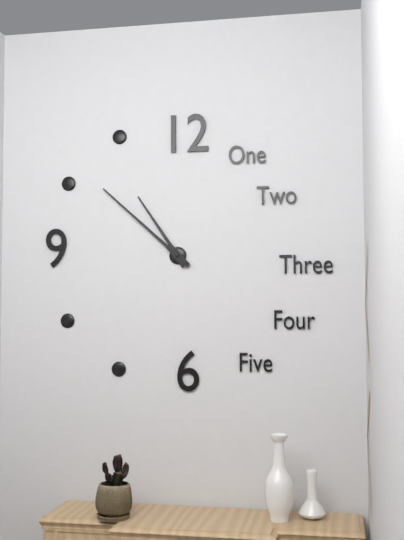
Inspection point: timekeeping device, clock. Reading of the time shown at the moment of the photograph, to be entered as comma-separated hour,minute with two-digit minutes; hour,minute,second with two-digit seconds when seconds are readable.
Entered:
10,52
